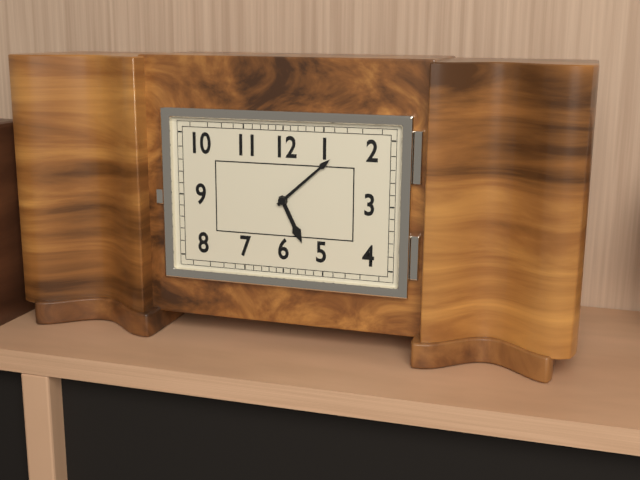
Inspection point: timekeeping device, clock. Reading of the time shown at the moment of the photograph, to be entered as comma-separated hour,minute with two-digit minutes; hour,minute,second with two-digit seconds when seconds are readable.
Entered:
5,08
